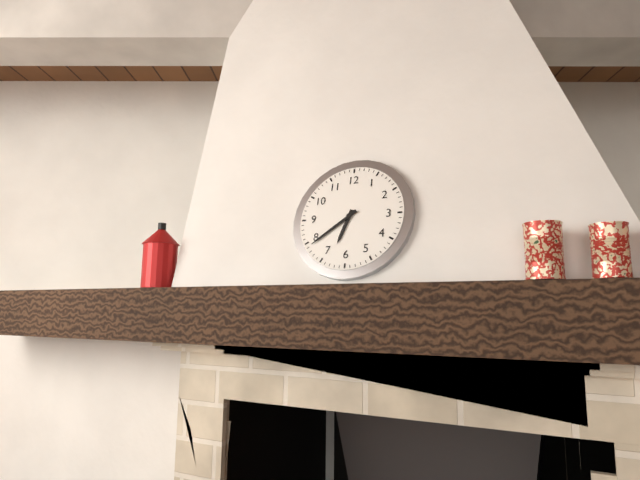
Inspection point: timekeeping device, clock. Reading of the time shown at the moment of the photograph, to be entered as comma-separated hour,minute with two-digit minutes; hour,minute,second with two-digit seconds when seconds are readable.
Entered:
6,39
